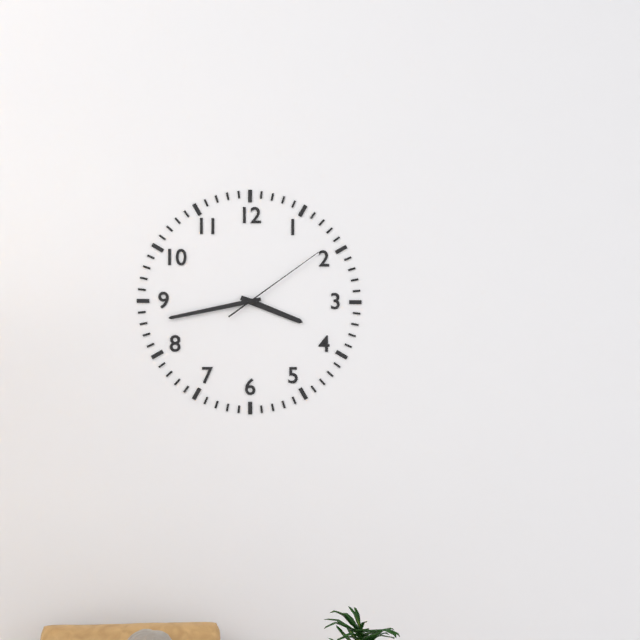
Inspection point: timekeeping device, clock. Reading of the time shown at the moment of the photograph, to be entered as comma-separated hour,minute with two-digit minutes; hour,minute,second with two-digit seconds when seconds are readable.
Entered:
3,43,09
